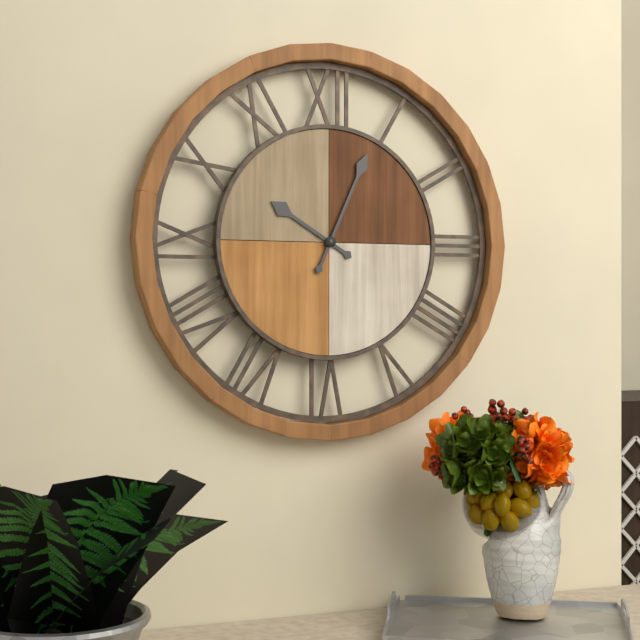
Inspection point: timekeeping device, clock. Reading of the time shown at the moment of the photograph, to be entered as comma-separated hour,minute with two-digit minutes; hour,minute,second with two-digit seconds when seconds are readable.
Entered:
10,04
